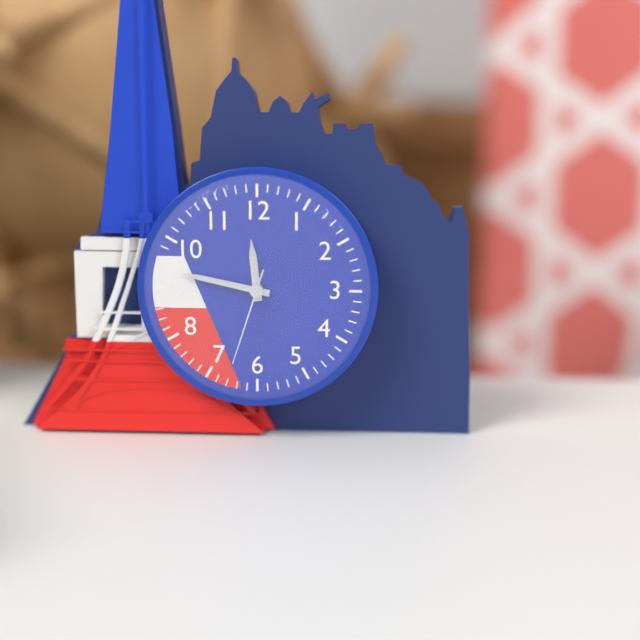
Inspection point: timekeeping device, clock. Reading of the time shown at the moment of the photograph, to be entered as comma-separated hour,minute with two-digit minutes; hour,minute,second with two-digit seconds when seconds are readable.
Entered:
11,47,33
